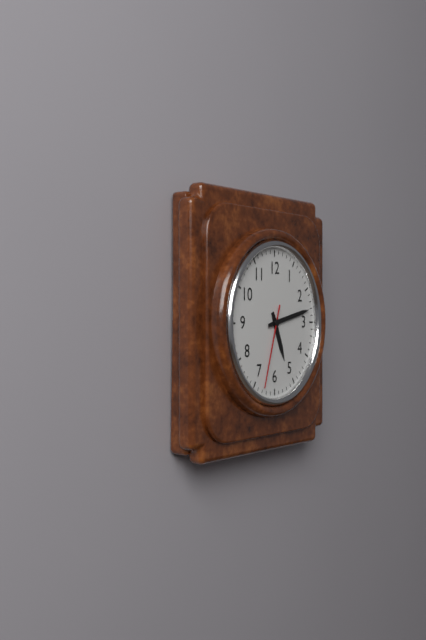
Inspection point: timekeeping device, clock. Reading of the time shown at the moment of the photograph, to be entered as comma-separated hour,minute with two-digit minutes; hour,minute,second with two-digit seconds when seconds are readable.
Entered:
5,13,33
